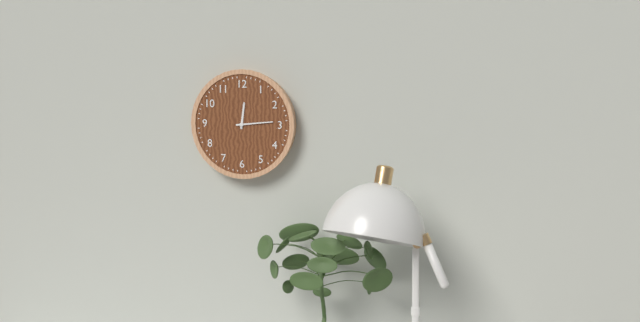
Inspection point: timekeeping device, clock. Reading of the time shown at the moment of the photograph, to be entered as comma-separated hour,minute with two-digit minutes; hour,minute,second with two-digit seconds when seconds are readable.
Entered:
12,14
